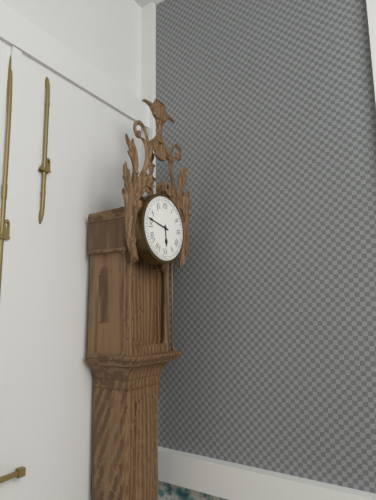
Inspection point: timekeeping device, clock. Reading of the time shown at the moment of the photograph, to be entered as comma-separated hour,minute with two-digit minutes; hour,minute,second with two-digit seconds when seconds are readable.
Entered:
5,47
